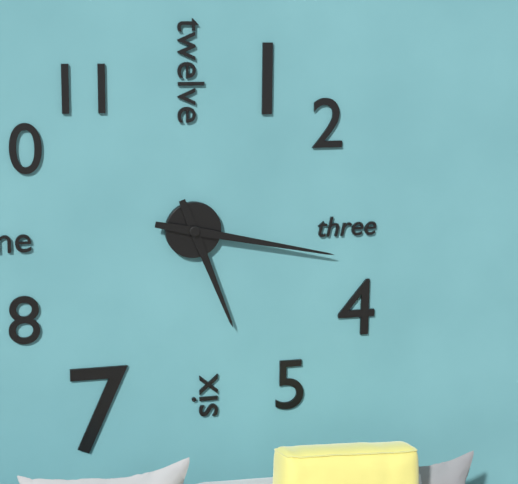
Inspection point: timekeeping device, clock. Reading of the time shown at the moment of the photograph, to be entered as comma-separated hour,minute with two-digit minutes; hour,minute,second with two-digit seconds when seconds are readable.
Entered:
5,17
